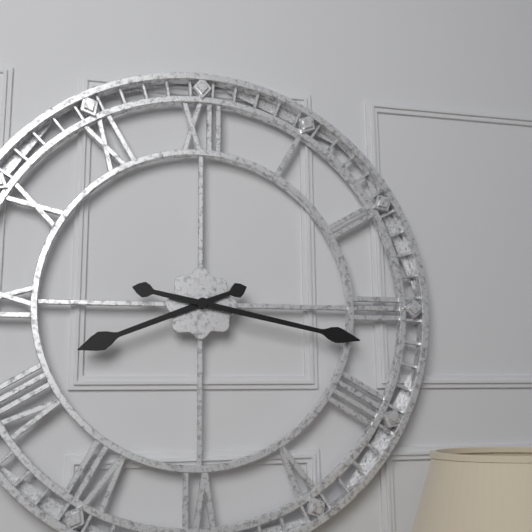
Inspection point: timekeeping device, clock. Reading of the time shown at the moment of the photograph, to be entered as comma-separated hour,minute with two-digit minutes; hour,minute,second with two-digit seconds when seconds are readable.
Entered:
8,17
